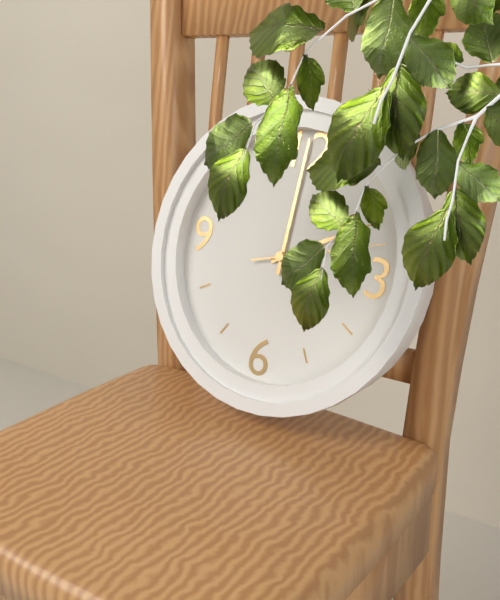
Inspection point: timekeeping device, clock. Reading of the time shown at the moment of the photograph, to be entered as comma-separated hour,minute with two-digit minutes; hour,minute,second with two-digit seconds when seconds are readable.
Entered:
2,00,12
